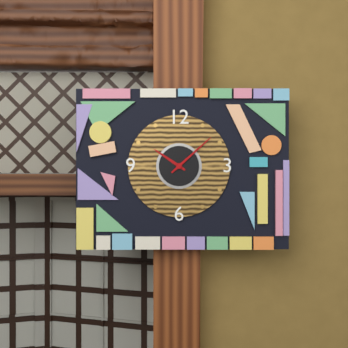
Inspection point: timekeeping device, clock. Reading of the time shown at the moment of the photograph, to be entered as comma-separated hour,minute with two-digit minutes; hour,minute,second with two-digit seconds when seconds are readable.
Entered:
10,08
